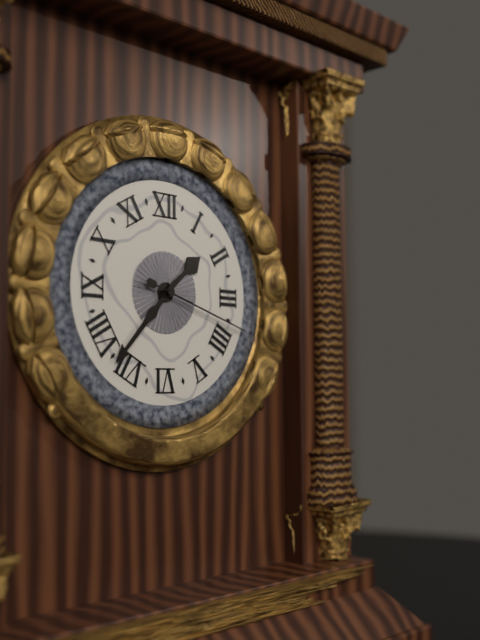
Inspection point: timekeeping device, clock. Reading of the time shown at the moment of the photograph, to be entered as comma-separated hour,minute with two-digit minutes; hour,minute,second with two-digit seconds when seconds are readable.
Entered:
1,37,18
